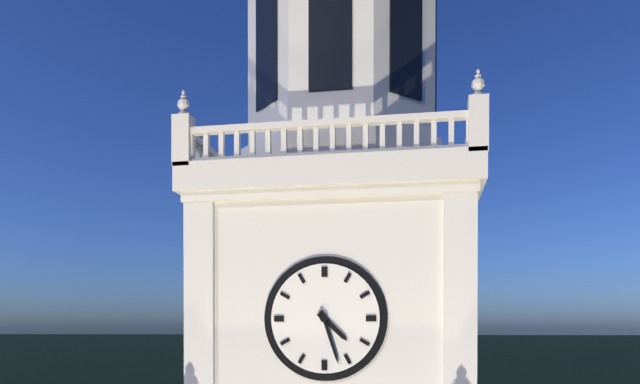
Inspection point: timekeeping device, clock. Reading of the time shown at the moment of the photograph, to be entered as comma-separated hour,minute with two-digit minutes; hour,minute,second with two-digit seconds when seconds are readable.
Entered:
4,27
